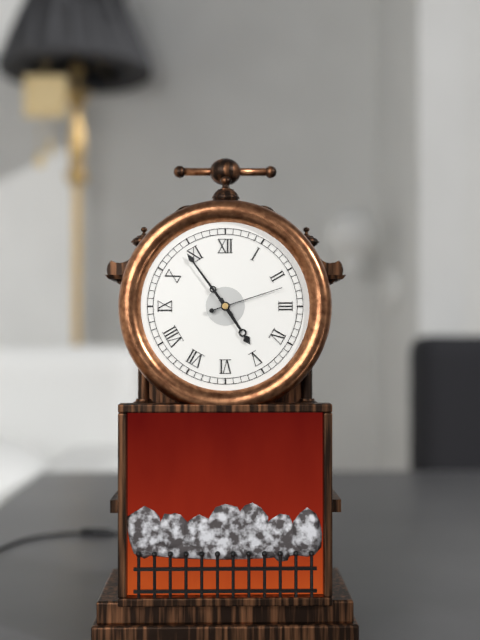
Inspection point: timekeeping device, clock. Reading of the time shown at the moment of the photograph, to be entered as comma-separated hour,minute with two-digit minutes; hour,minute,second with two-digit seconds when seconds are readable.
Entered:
4,54,12
